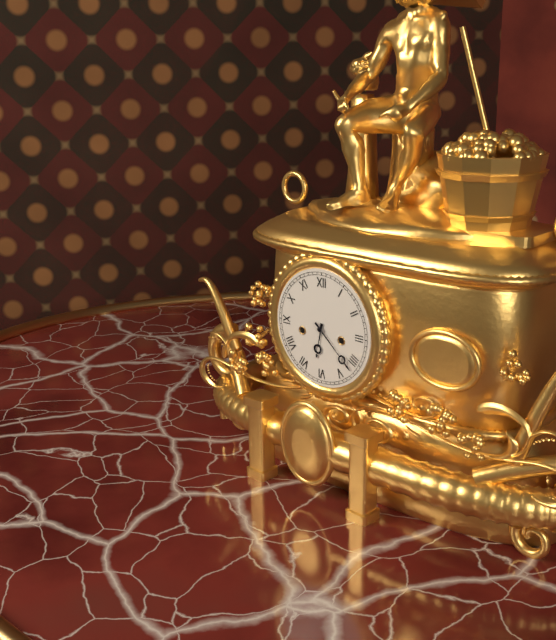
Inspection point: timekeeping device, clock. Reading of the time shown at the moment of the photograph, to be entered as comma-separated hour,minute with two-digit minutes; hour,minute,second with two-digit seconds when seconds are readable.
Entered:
6,22
